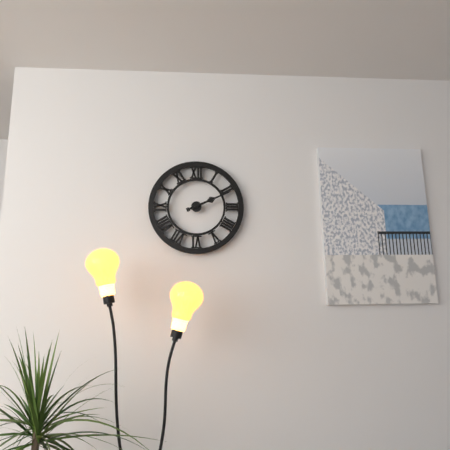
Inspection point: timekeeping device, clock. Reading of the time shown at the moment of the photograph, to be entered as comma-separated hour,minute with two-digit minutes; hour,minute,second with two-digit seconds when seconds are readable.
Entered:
2,11
